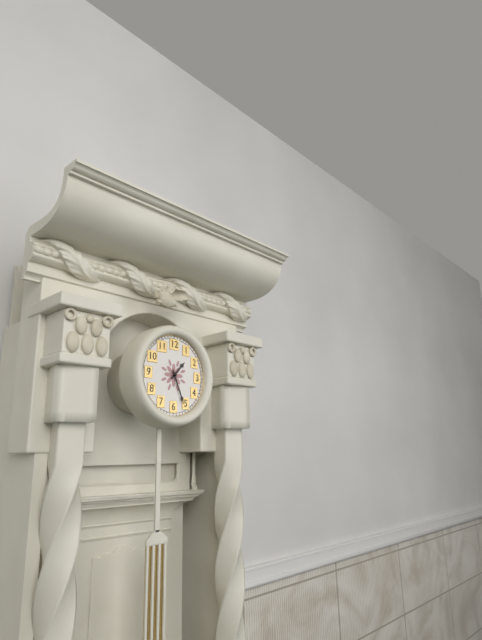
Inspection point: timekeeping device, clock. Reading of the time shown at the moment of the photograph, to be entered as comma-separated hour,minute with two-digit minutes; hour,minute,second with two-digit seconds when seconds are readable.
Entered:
1,26
